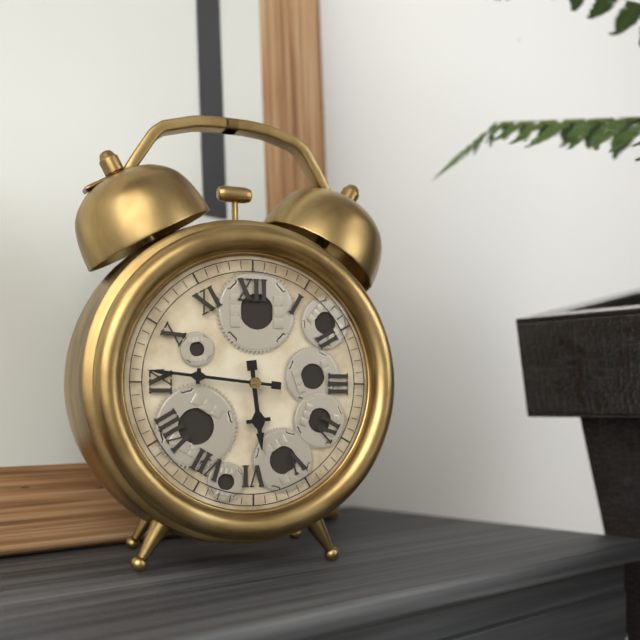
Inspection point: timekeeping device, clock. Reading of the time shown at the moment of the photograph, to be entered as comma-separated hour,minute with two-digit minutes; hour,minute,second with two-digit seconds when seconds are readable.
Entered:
5,46
